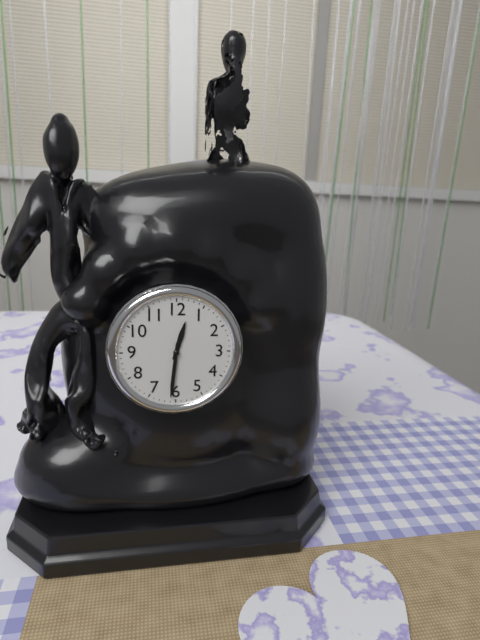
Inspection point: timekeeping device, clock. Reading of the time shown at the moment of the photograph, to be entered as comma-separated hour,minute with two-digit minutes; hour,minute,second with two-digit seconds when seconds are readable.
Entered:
12,31
